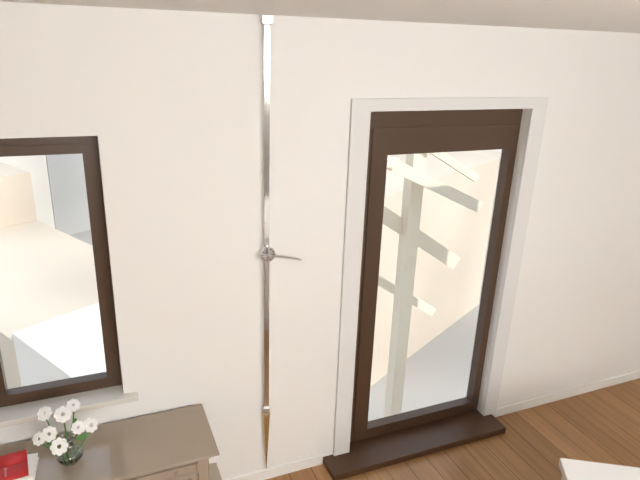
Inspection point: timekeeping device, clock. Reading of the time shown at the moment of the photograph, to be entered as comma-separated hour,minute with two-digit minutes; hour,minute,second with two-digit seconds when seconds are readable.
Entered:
3,30
